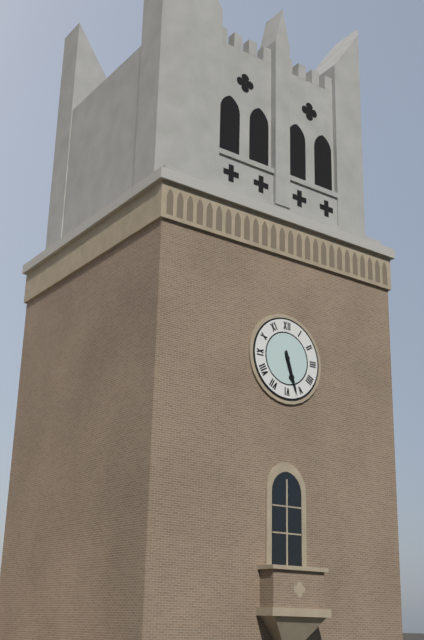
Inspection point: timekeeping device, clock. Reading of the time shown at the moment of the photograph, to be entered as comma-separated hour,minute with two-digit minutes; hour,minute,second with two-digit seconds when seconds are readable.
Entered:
5,27
